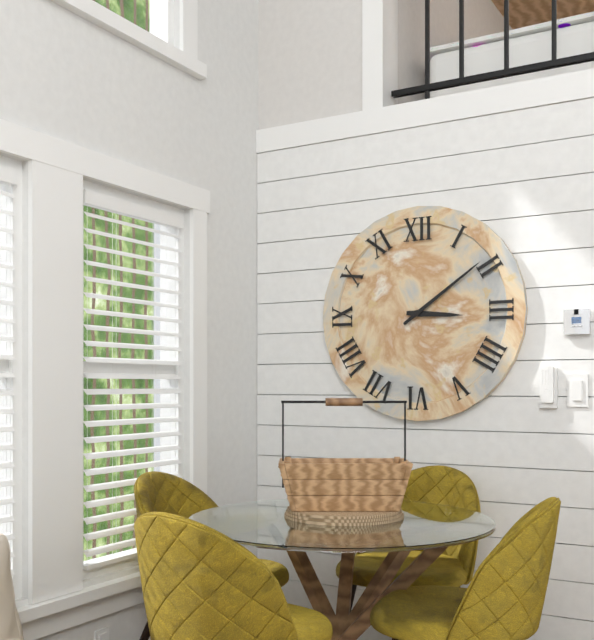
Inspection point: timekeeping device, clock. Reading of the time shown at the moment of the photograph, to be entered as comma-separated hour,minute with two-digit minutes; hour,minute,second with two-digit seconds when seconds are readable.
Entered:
3,09
